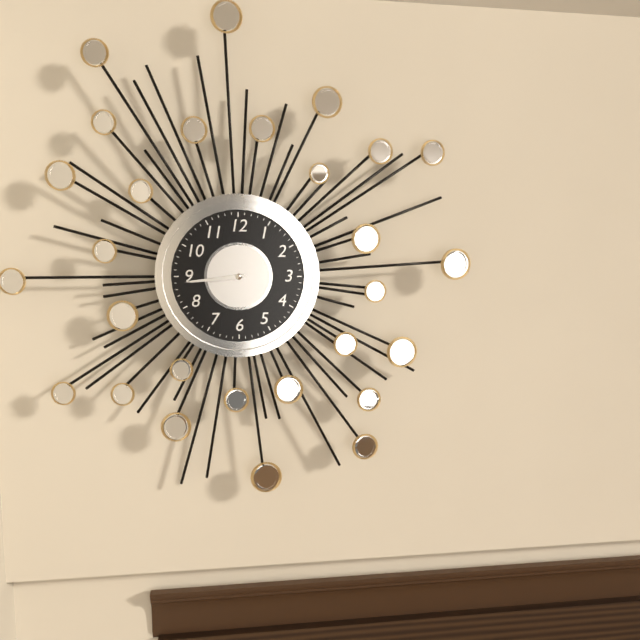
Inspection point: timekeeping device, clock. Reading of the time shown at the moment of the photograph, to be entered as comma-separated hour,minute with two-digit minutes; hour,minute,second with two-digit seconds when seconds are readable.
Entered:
8,44
